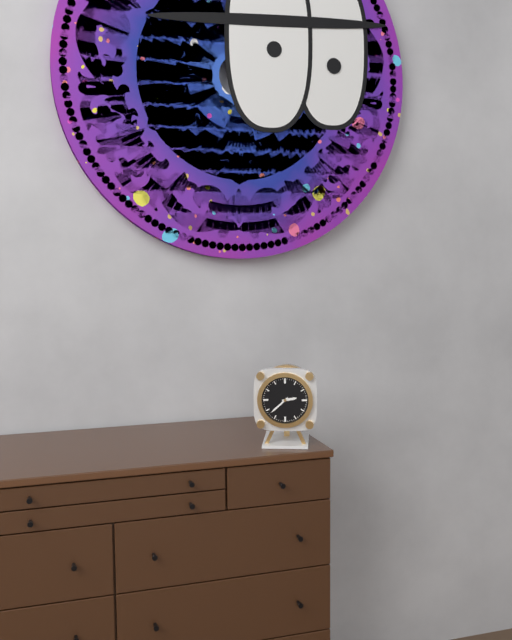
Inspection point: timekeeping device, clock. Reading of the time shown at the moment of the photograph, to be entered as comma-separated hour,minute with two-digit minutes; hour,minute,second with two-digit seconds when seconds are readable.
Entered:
2,38
